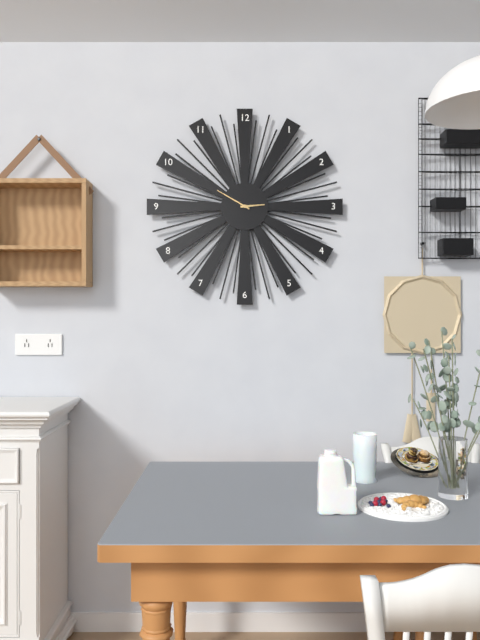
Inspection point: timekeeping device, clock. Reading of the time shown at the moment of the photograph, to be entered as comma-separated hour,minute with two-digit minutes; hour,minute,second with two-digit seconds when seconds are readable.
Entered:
2,50
